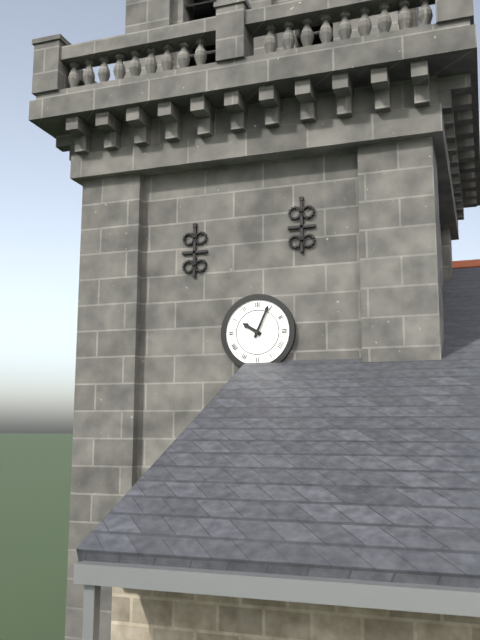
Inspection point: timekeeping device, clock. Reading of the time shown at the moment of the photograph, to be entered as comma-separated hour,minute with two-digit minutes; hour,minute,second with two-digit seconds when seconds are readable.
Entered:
10,04
